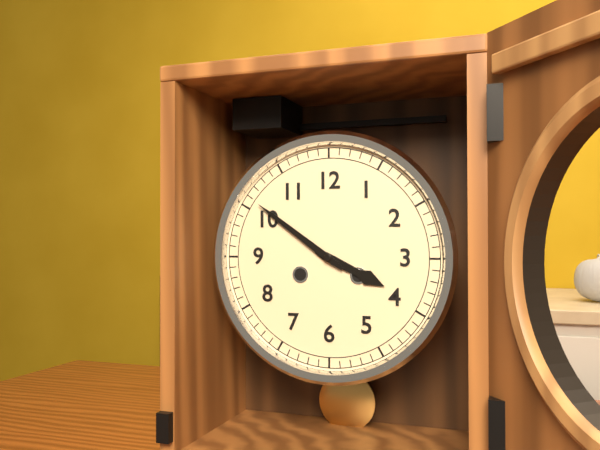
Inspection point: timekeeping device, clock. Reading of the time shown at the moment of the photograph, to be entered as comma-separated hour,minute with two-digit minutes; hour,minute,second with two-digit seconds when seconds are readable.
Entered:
3,51
